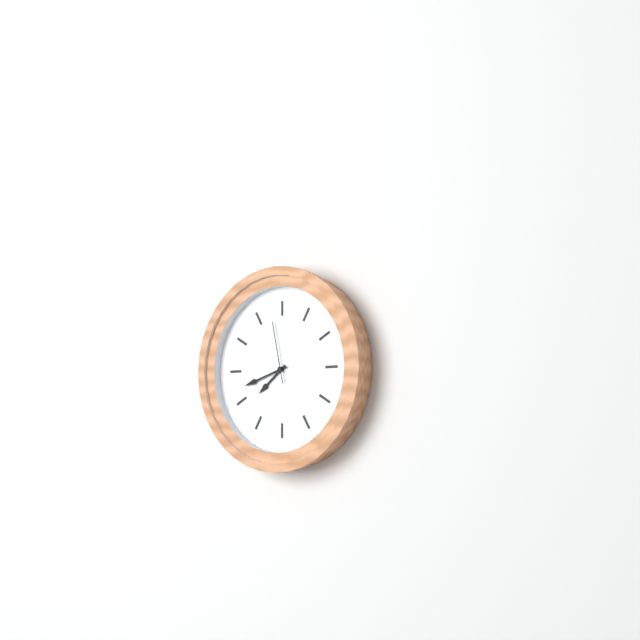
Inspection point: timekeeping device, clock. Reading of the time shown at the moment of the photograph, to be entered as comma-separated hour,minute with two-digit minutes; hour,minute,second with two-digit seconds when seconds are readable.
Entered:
7,42,58
